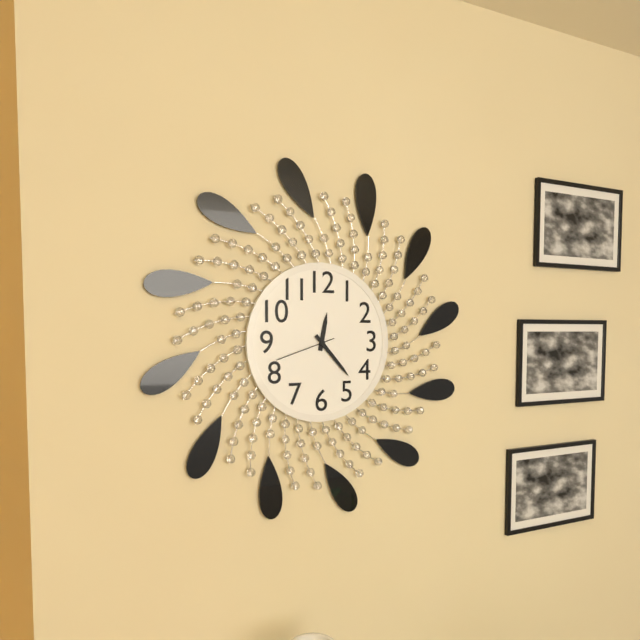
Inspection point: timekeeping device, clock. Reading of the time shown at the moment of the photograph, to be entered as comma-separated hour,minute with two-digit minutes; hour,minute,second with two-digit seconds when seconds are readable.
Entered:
12,23,42
